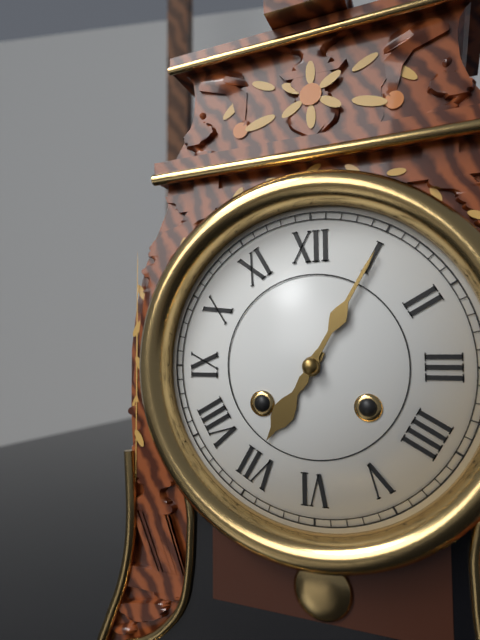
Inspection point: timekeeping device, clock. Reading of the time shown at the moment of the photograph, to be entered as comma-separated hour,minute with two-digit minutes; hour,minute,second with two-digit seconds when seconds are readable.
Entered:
7,05
